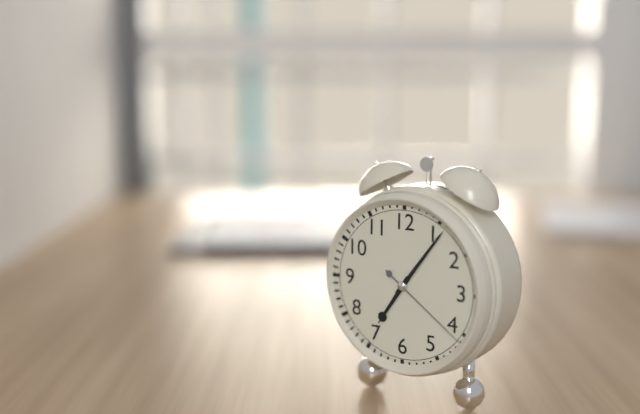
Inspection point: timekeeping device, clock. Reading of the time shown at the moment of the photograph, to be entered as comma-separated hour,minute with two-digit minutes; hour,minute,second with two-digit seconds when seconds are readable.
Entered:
7,06,21
